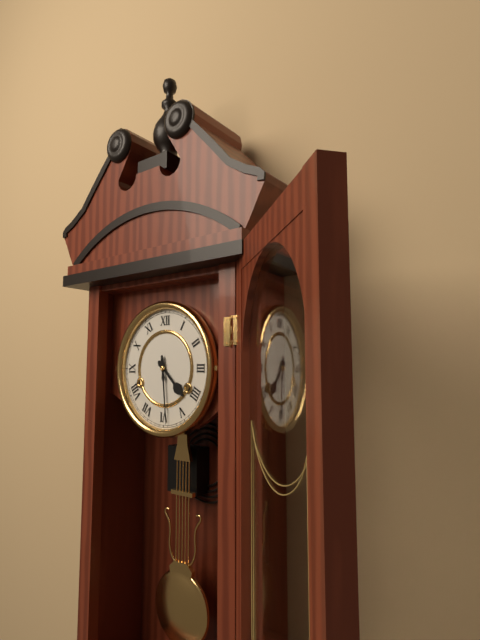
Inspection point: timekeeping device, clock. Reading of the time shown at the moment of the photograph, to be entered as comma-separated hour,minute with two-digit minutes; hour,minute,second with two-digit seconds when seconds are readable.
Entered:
4,29
